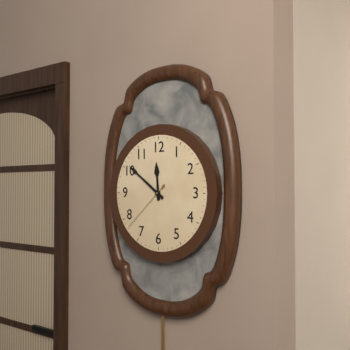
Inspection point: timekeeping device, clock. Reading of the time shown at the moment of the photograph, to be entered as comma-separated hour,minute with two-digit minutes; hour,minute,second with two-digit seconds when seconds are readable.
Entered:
11,51,38
